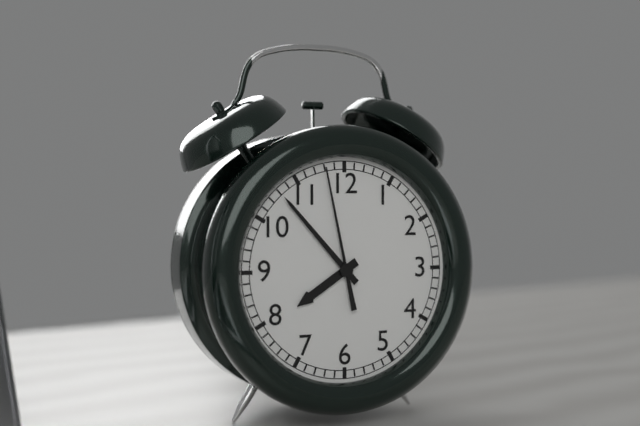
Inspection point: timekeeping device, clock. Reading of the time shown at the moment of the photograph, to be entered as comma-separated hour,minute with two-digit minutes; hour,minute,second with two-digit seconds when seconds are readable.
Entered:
7,53,58
